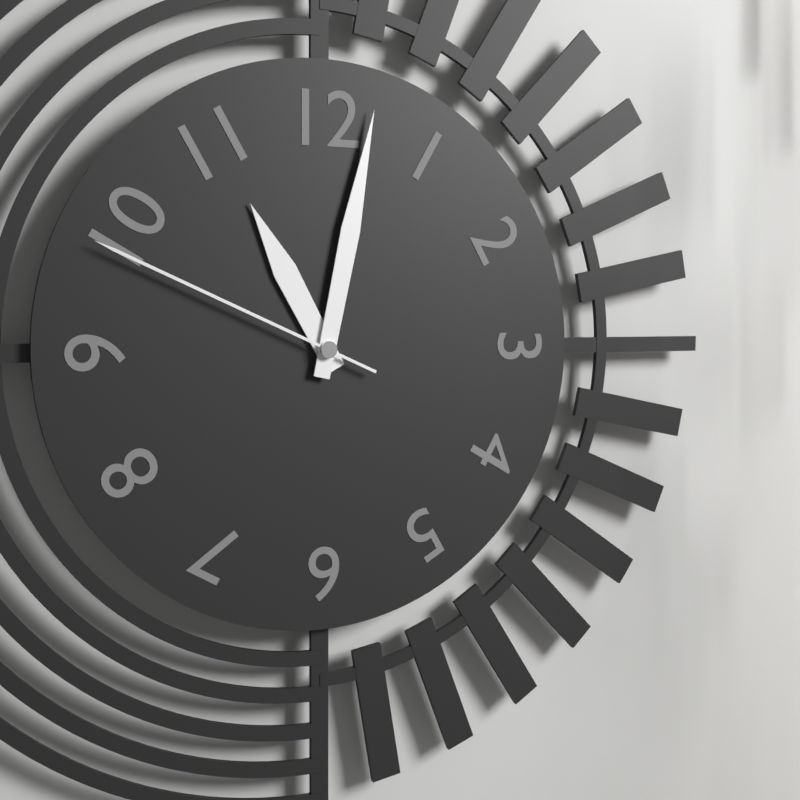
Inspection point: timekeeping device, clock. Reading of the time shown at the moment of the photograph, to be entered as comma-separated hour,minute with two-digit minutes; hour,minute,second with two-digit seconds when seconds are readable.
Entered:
11,02,49
